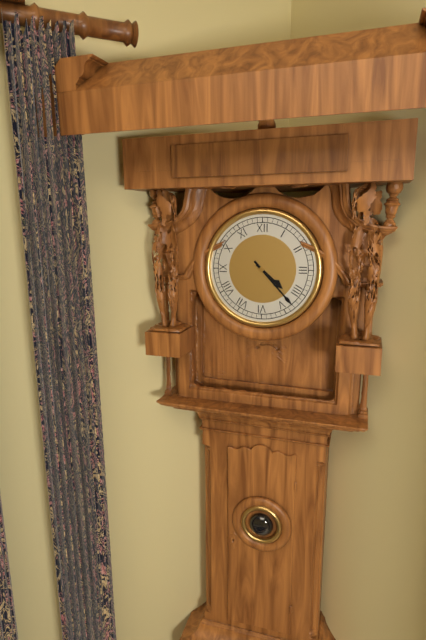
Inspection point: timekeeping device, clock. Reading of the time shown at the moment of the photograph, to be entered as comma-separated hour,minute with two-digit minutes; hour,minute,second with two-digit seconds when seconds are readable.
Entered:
4,23
